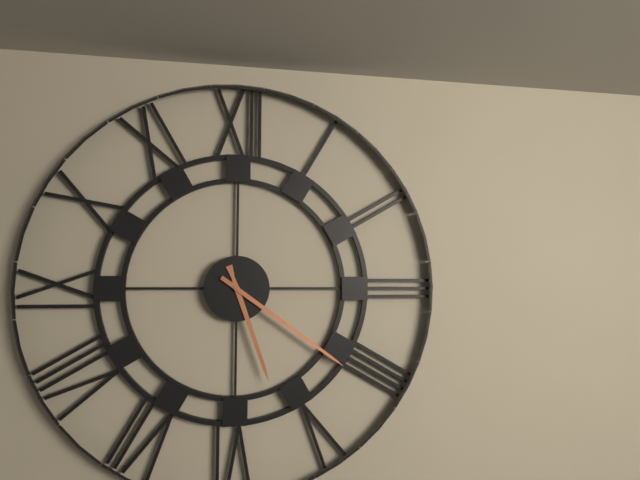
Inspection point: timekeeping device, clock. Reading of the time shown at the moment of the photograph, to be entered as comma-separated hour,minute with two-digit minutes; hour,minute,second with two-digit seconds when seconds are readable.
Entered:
5,21
